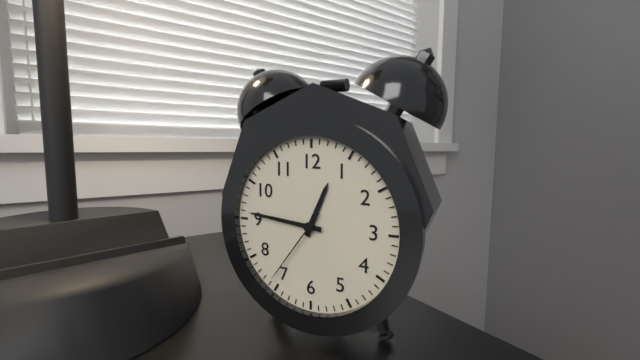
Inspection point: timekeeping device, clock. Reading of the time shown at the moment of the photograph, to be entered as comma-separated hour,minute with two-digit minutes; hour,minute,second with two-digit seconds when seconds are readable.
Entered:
12,46,36
